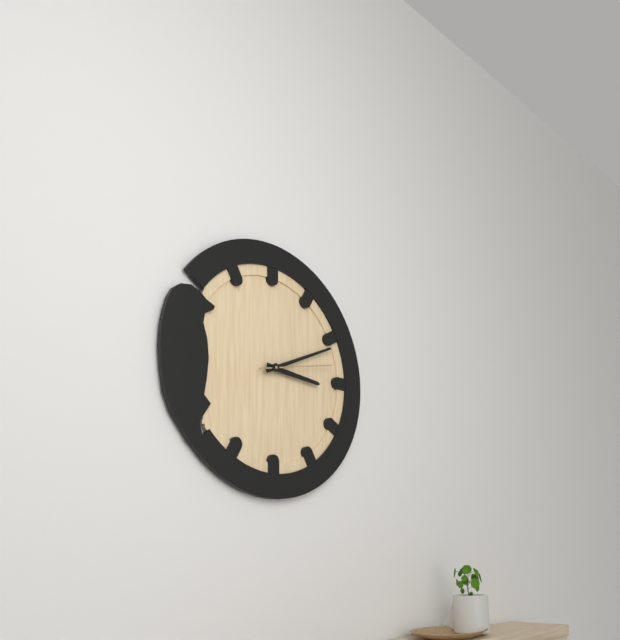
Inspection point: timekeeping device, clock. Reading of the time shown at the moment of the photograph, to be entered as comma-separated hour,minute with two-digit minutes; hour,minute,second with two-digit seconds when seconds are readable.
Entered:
3,11,13
